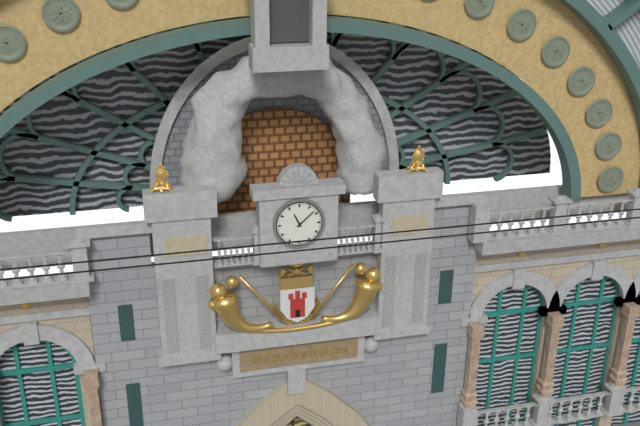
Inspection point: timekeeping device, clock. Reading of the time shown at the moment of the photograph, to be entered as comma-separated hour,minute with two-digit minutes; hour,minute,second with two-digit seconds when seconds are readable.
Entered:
11,08
